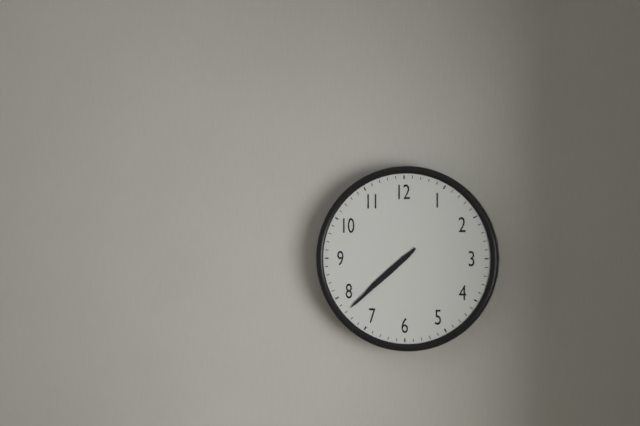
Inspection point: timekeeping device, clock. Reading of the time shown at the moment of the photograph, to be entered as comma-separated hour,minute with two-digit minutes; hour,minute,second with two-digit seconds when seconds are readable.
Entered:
7,38
